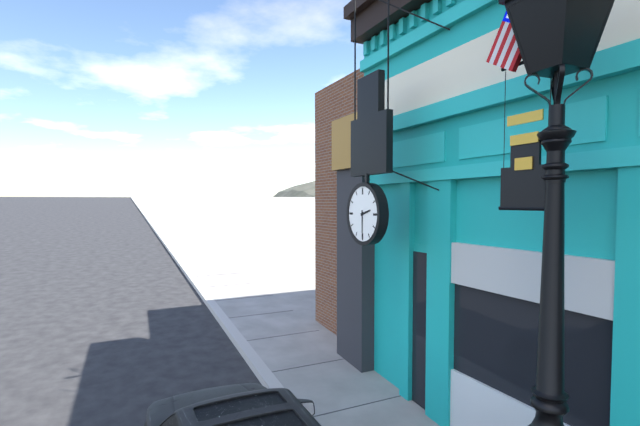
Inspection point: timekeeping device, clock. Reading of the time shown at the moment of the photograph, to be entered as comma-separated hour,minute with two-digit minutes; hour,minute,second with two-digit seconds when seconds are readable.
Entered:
2,30
